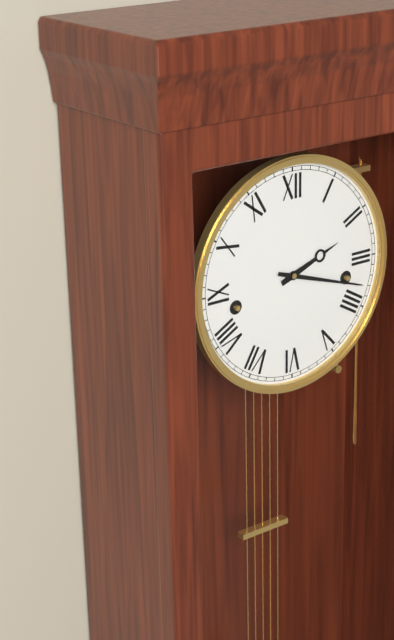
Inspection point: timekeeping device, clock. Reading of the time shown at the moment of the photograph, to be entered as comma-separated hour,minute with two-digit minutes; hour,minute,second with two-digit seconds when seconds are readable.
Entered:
2,18
